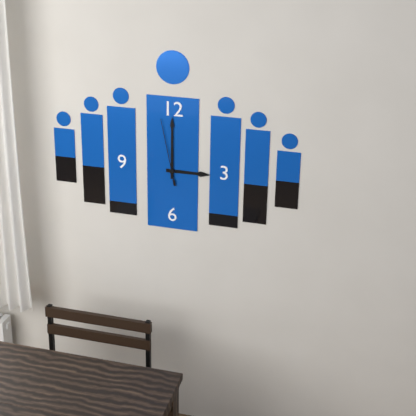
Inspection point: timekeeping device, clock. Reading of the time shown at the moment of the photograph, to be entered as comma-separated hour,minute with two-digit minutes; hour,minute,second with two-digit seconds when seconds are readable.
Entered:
3,00,58
